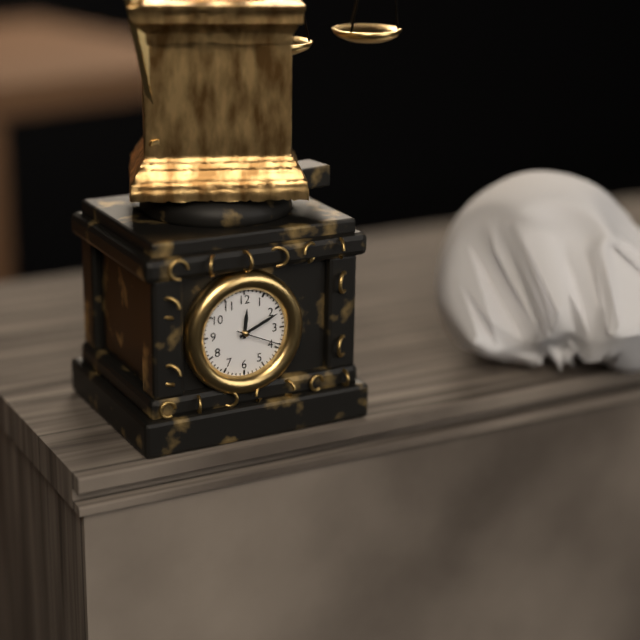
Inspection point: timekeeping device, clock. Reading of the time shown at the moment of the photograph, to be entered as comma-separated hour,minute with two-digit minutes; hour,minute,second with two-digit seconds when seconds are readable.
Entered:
12,11,19
